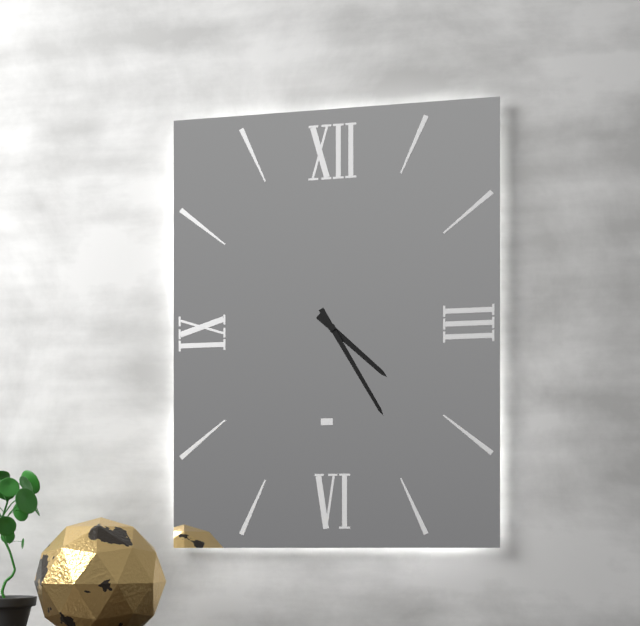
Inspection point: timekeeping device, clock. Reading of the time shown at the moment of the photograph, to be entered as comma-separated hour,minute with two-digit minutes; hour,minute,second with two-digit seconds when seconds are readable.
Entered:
4,25
